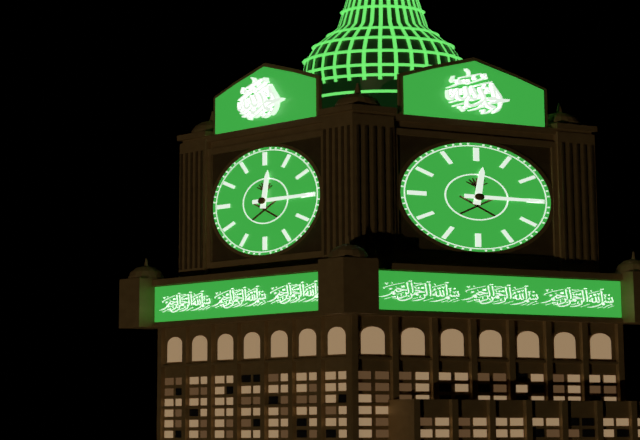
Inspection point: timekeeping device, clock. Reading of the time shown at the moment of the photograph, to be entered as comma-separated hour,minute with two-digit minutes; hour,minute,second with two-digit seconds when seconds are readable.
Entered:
12,15
